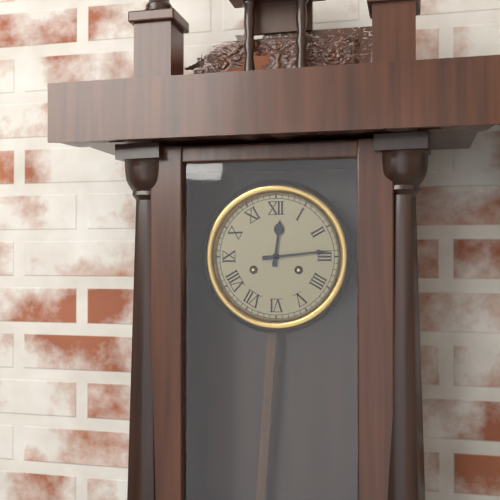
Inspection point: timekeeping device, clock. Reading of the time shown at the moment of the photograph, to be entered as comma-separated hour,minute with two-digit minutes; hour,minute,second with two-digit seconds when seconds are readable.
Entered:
12,14
